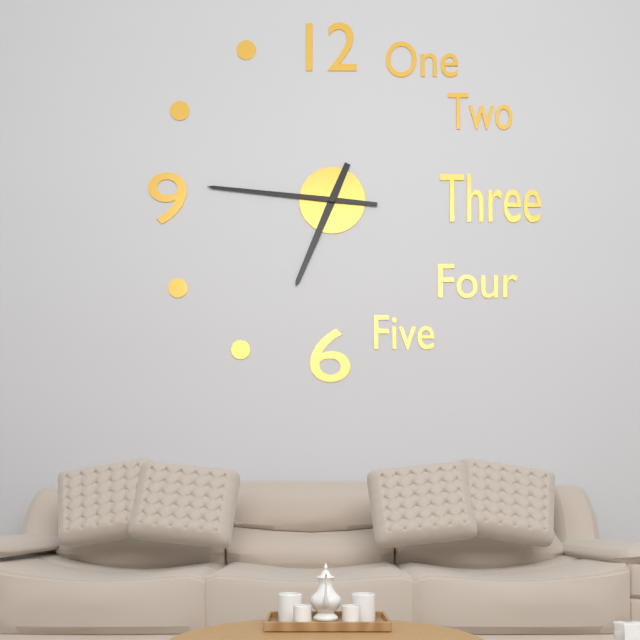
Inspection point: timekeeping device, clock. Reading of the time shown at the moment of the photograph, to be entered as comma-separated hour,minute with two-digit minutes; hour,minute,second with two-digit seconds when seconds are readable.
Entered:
6,46
